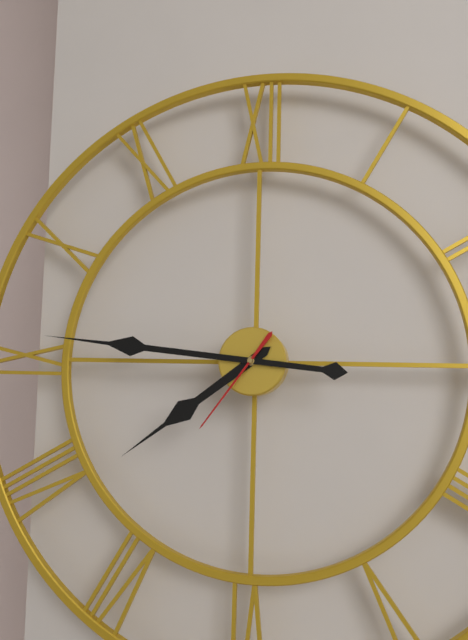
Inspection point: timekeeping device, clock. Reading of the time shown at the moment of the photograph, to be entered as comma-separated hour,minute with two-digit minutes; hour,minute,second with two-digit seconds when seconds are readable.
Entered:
7,46,36
